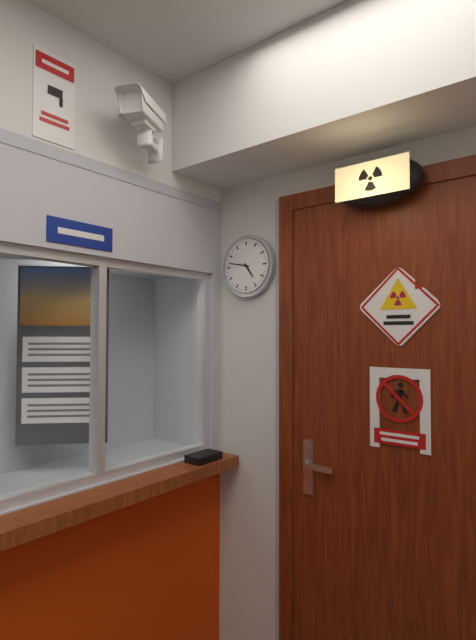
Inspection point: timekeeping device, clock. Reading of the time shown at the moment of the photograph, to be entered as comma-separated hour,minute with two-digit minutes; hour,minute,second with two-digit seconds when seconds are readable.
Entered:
4,47
